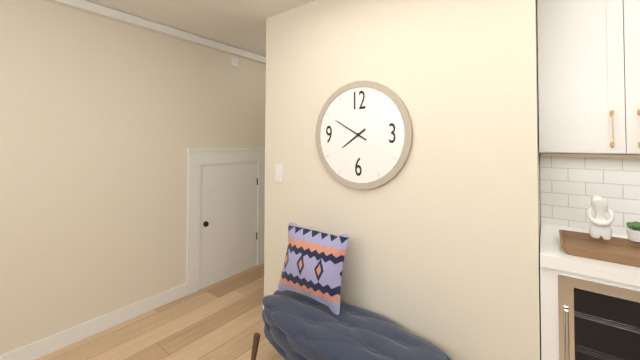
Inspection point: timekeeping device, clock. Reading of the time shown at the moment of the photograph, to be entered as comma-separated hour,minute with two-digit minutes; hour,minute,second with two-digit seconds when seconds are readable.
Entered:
7,50
